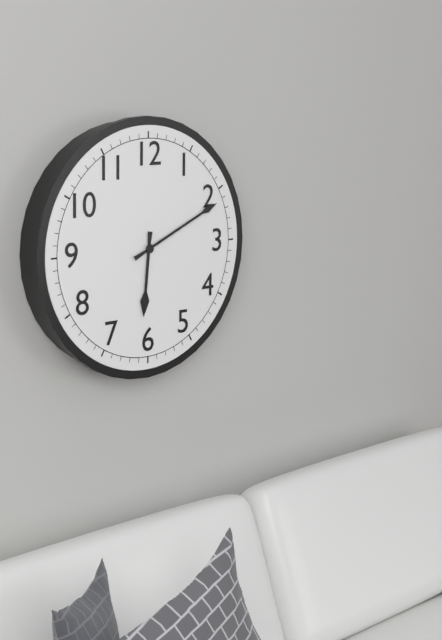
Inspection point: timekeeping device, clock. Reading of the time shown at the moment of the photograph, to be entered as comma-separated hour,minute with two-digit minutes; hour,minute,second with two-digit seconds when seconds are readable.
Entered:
6,11
